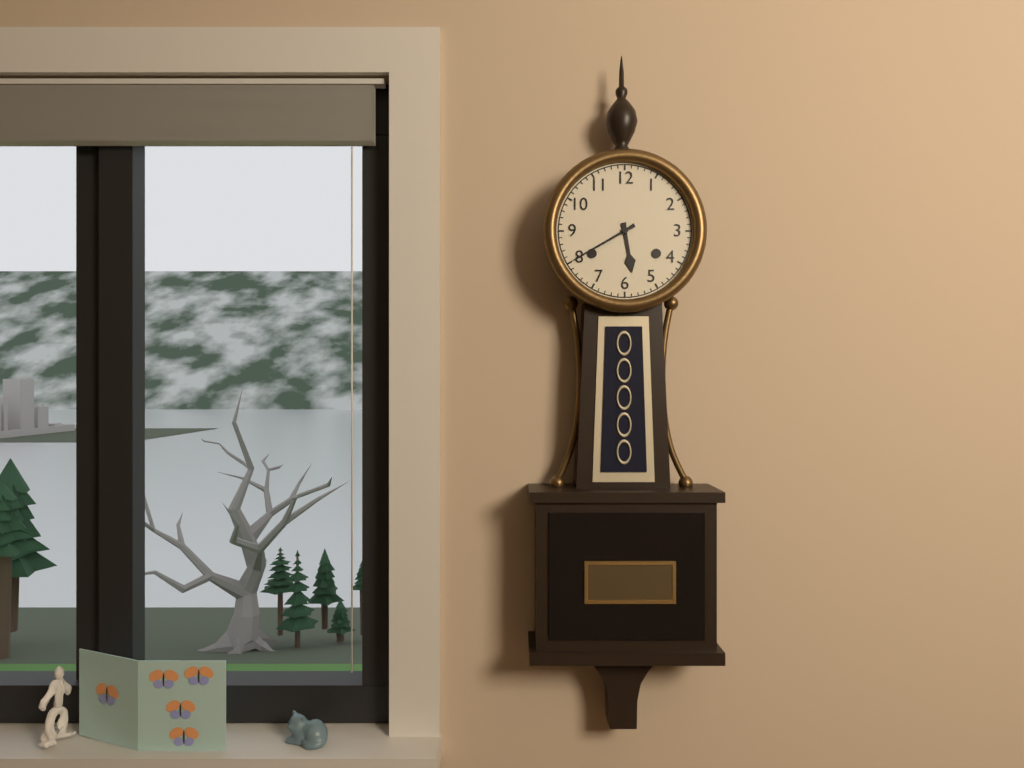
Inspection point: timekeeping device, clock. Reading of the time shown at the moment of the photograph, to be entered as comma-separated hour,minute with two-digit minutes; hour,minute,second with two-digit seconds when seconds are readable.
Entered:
5,40
